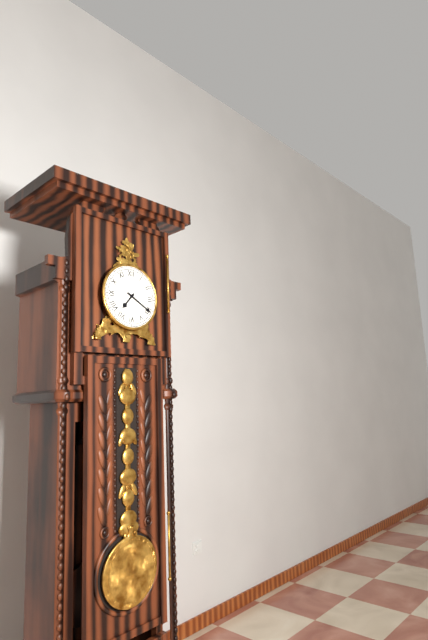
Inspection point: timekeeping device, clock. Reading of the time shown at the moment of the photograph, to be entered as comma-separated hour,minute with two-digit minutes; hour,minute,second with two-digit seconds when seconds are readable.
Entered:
7,20
